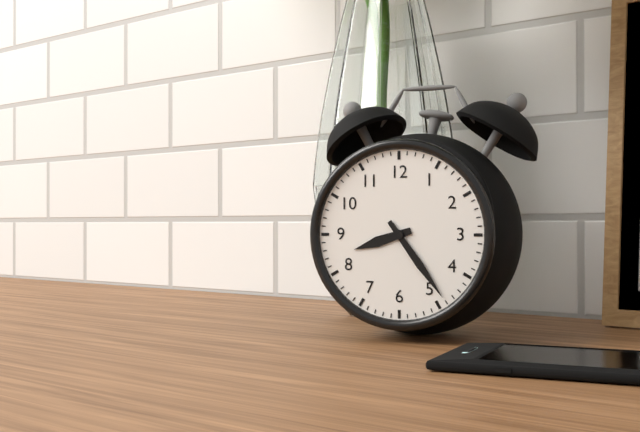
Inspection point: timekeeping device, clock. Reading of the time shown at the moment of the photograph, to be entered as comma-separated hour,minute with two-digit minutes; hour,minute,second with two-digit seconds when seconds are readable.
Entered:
8,24
